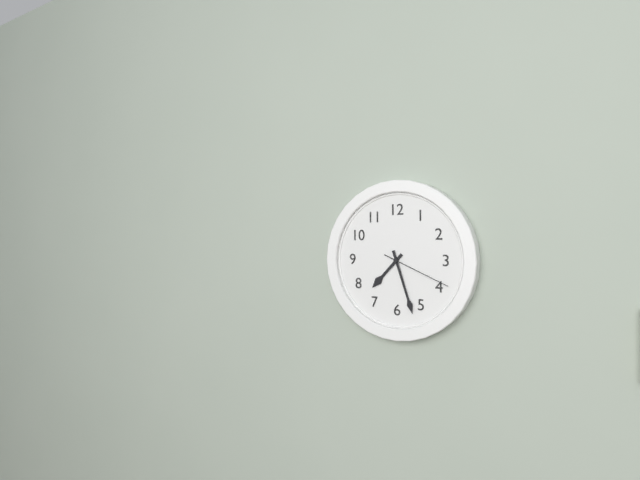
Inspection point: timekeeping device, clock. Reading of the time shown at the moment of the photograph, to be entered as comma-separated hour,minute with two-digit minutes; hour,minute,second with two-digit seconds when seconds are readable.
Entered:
7,27,19
